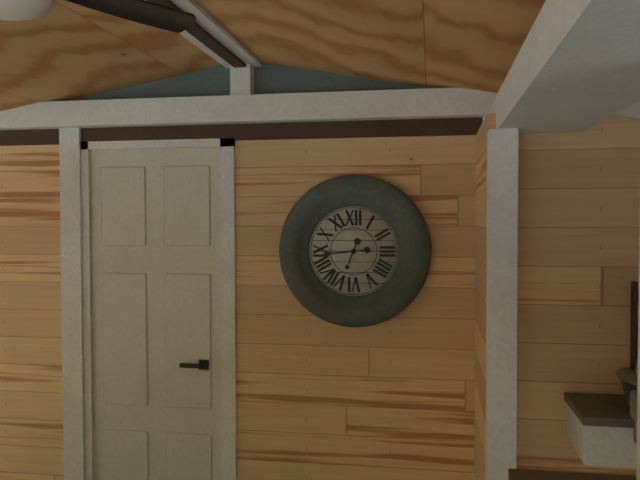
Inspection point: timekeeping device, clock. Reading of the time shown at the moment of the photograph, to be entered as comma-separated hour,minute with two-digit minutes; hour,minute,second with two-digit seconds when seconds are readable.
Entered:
6,44
